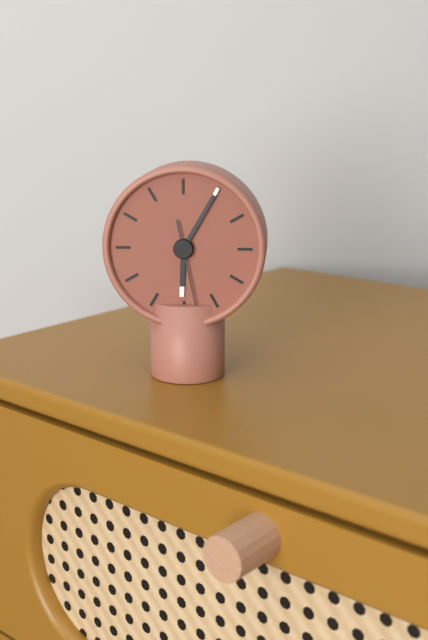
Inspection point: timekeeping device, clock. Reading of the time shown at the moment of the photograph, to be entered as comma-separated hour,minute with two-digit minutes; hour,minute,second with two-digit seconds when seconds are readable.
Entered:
6,05,28
